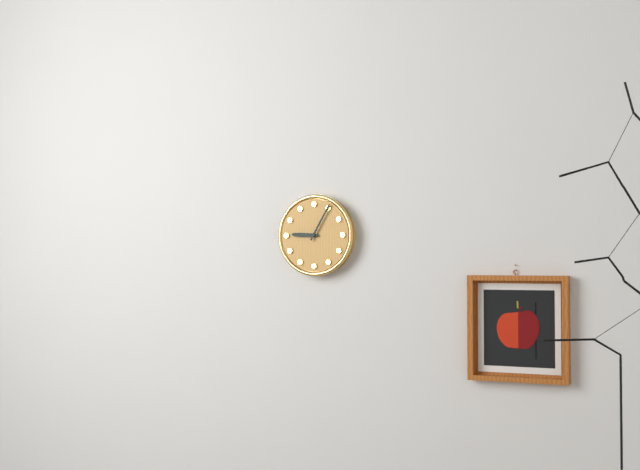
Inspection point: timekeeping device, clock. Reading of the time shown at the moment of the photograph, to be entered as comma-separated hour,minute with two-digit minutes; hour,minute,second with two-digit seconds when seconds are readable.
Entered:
9,05
